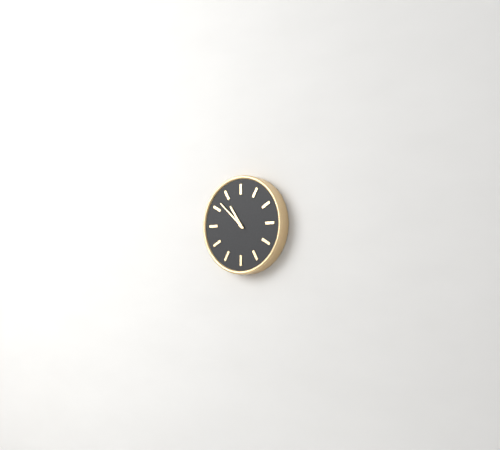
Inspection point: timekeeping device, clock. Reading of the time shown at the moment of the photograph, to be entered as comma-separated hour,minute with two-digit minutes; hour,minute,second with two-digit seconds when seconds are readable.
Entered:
10,52
